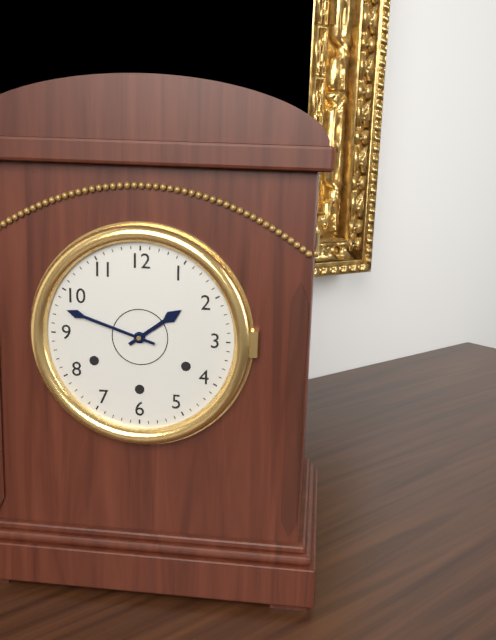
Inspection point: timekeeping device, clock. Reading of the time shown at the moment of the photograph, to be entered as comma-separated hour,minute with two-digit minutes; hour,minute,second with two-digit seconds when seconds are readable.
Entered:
1,48
